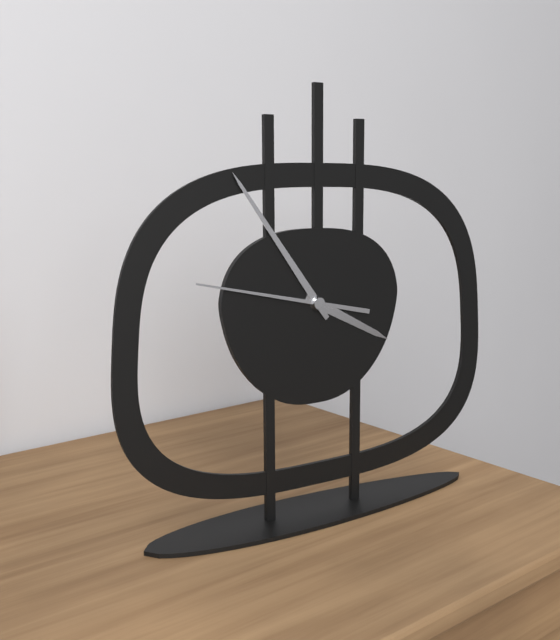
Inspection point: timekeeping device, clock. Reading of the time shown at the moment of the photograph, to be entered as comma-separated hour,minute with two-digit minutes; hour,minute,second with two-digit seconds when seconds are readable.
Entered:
3,54,47
